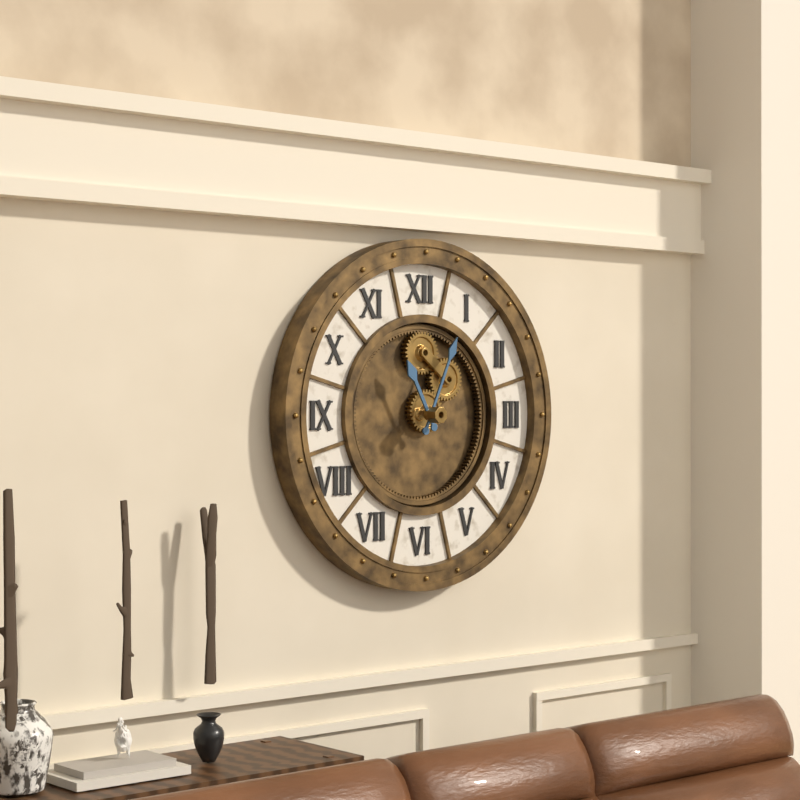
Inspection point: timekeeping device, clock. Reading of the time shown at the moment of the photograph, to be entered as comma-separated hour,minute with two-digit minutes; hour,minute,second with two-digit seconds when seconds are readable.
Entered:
11,04
